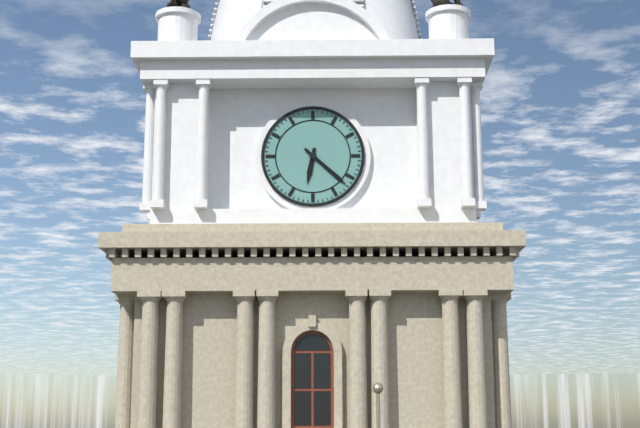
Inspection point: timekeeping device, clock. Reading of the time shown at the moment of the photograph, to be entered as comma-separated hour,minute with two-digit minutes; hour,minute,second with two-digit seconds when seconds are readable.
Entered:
6,22
